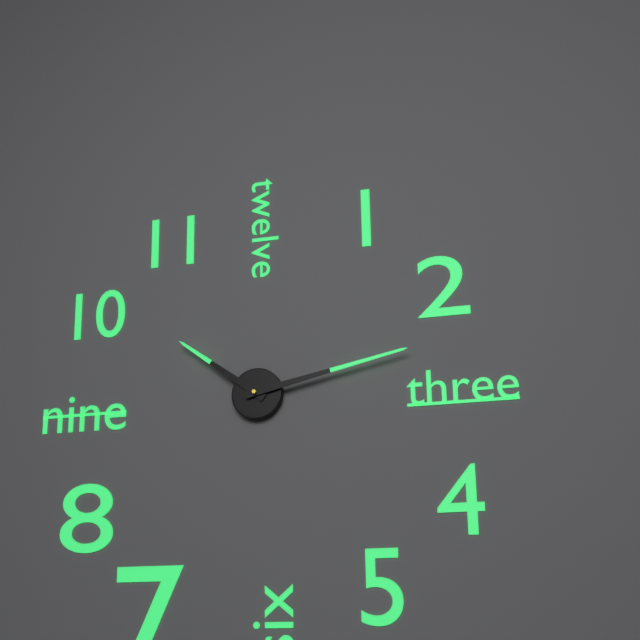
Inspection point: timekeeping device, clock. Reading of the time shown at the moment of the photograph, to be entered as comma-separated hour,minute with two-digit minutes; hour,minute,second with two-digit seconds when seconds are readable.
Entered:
10,13
